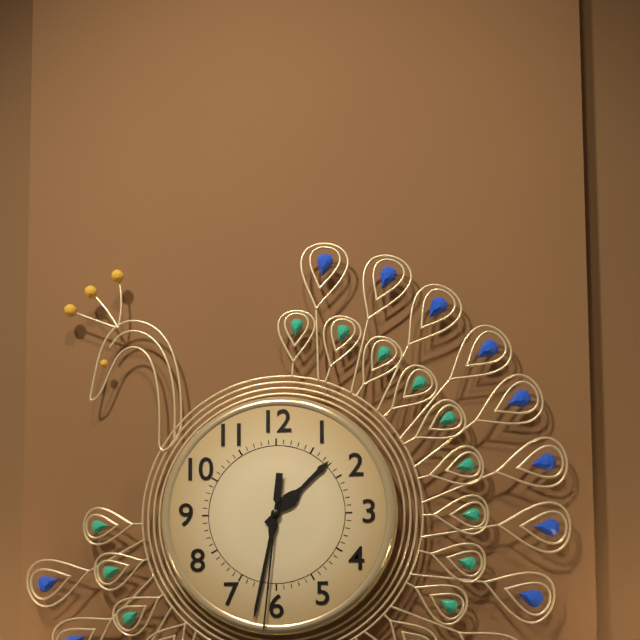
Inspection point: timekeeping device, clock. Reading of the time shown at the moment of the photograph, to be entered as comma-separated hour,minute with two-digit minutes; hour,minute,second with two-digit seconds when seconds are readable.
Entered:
1,32,31
